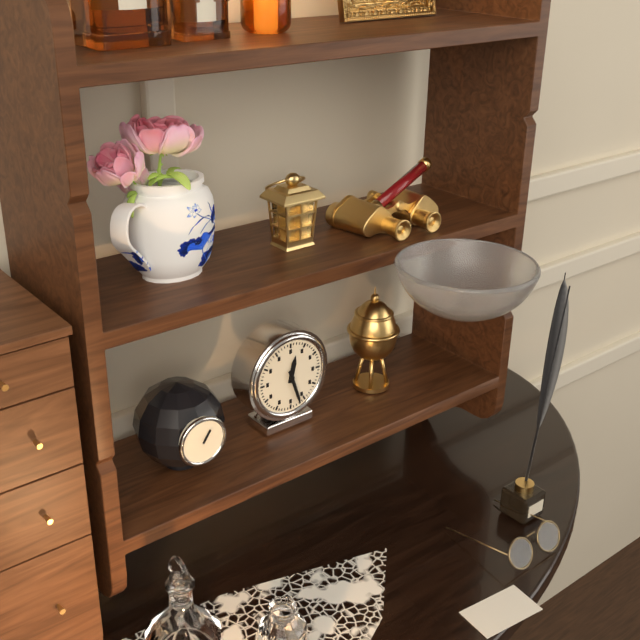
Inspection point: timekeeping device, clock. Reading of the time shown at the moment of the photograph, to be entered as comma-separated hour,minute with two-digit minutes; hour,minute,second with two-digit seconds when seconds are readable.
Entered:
12,27
